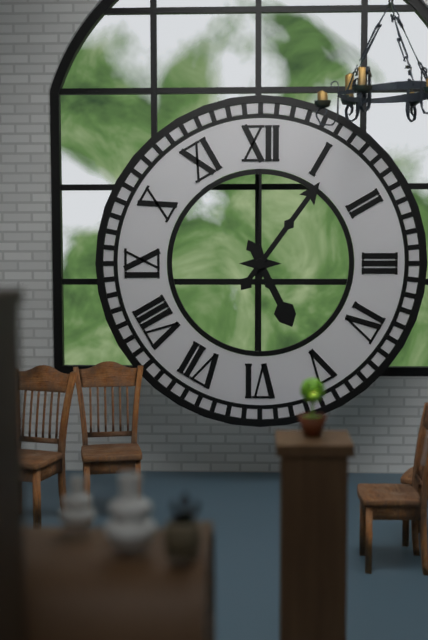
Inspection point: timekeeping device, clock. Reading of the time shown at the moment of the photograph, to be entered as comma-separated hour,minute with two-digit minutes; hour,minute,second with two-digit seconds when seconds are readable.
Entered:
5,06
